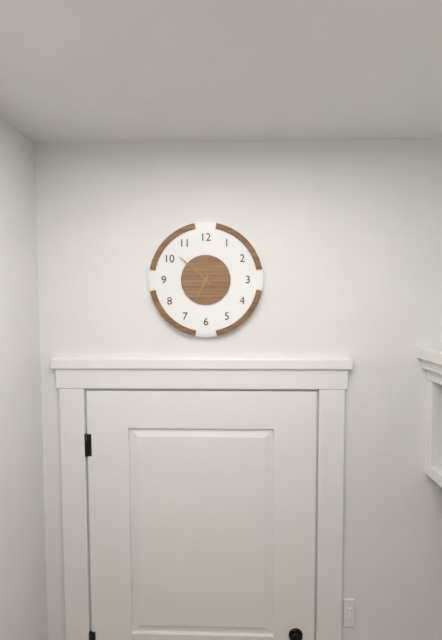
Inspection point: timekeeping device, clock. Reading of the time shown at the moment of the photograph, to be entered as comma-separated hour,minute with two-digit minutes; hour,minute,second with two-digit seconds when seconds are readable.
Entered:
6,52
